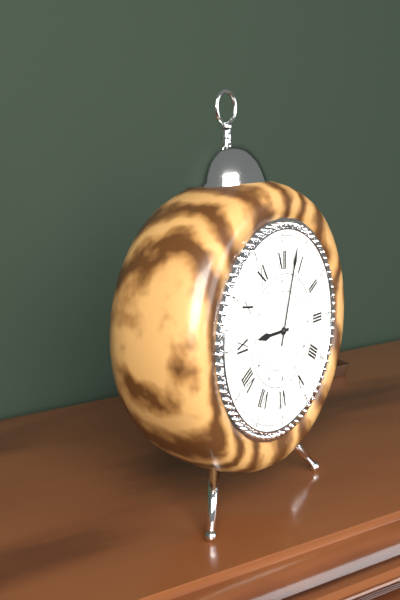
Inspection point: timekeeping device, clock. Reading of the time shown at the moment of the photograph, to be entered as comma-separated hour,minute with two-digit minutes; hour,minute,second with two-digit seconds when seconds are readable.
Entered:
9,03
